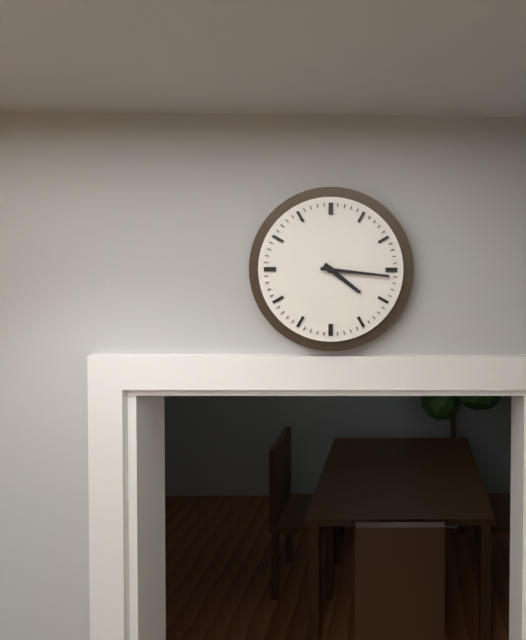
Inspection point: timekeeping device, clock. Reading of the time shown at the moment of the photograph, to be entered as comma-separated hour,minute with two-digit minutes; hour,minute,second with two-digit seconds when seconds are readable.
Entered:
4,16
